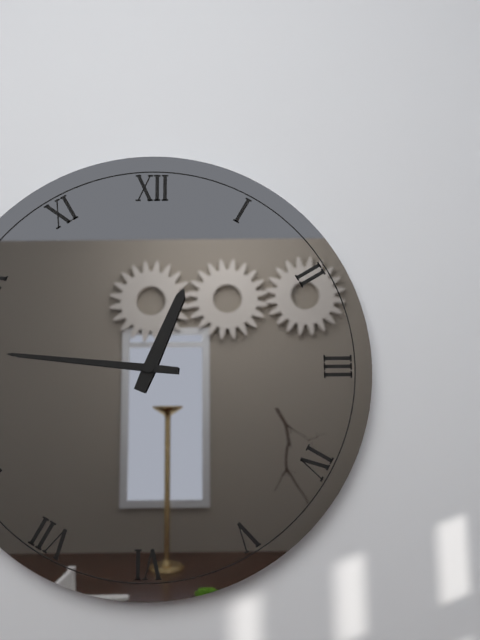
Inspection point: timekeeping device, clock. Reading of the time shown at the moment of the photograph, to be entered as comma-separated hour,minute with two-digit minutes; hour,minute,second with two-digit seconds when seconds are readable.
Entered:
12,46
